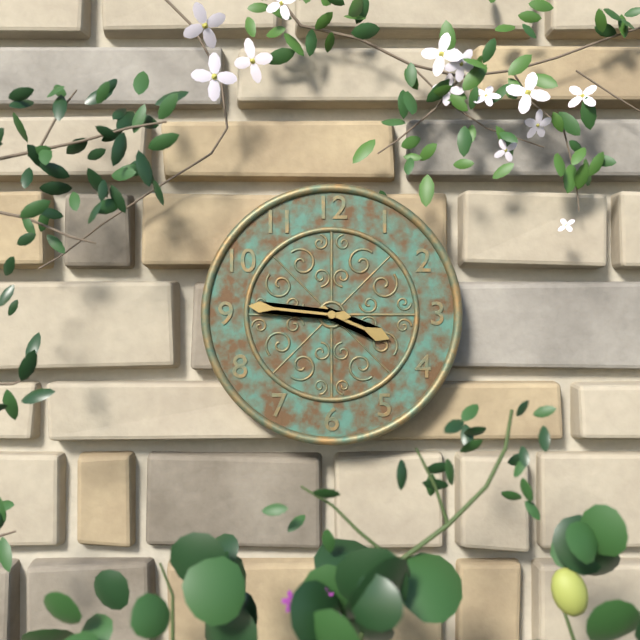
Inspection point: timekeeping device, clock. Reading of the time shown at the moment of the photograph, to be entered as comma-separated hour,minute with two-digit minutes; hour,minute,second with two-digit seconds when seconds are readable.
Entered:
3,46
